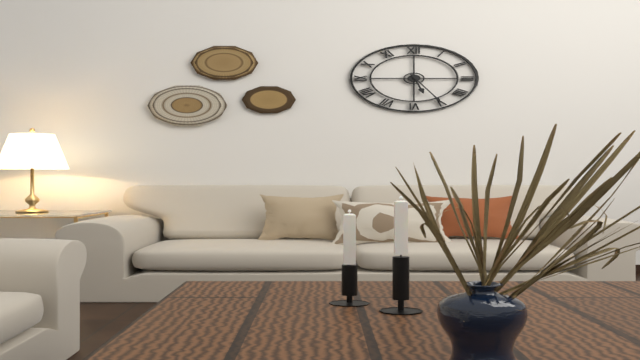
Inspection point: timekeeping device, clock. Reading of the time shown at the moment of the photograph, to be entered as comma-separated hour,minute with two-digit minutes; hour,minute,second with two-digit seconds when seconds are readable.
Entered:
5,25
